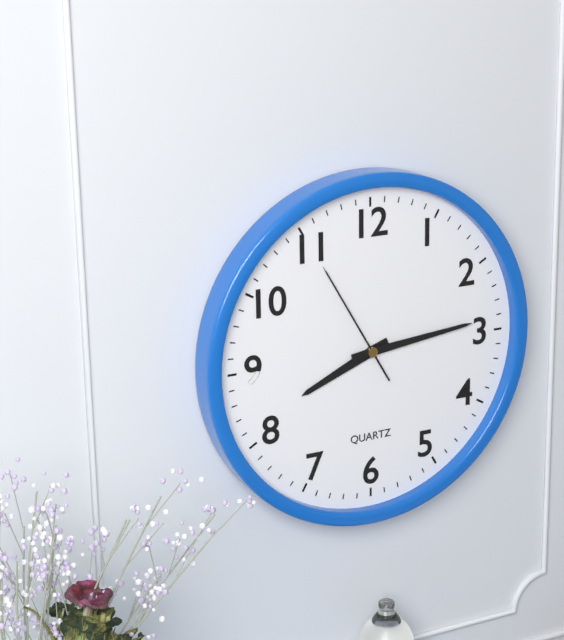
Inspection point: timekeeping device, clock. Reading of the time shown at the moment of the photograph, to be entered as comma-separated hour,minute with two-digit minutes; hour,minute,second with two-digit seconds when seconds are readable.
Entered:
8,14,55
